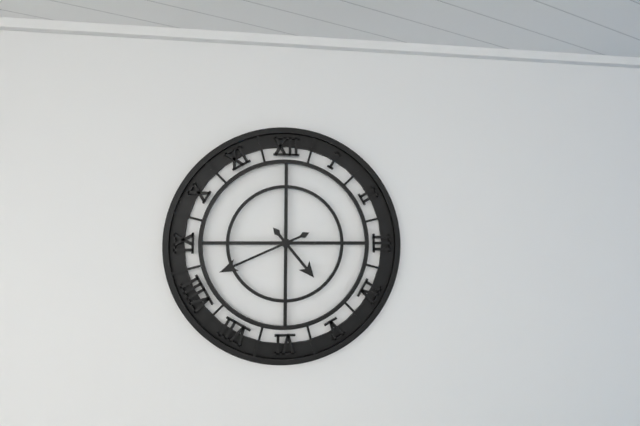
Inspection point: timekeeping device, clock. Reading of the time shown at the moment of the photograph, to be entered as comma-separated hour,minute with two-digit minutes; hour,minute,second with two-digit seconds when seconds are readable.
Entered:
4,41
